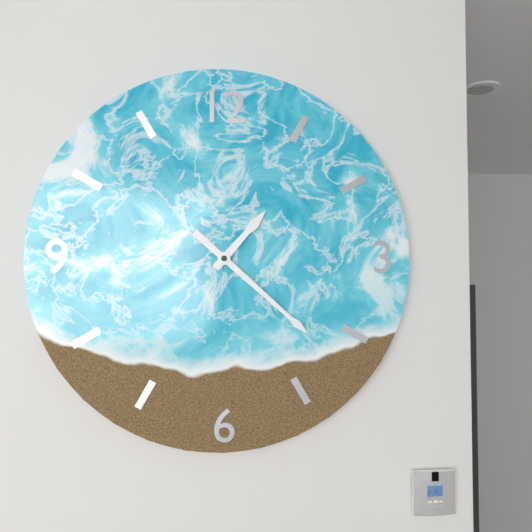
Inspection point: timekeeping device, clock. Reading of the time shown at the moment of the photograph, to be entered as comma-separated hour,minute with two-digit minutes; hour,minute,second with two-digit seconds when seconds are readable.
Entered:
1,22
